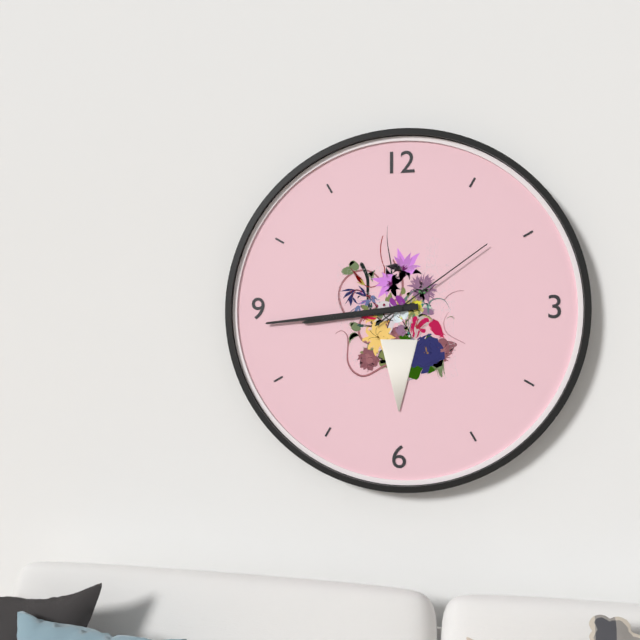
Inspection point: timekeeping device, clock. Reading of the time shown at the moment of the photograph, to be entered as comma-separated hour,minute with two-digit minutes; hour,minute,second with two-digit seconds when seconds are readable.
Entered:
8,44,09
